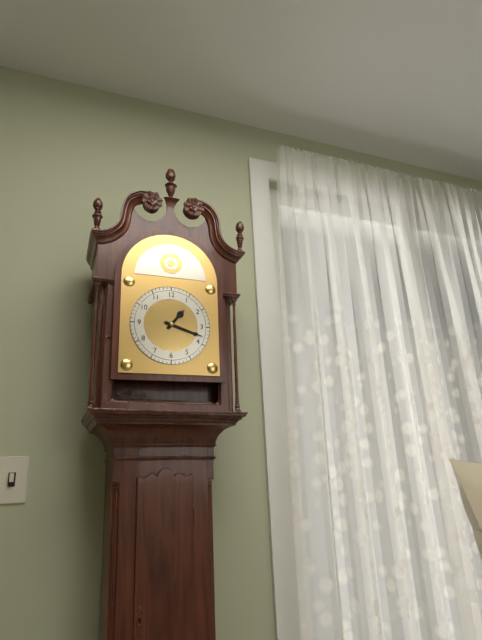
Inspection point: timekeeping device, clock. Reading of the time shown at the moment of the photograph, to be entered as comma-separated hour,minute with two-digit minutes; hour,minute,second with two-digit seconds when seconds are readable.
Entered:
1,18
